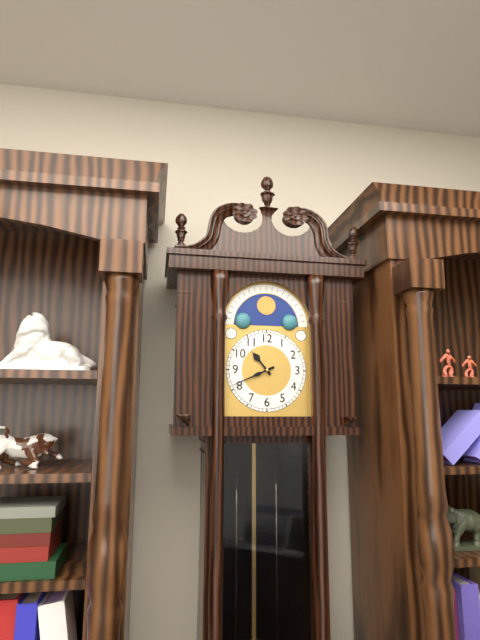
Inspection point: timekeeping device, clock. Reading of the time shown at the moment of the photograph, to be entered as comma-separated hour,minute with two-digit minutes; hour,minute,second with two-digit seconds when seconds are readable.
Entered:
10,41
